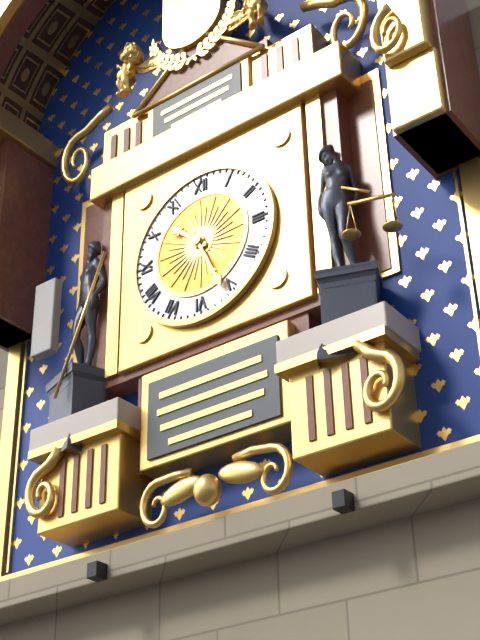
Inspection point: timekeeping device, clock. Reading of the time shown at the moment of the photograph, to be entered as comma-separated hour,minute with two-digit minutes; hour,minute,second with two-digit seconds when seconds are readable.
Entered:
10,26
